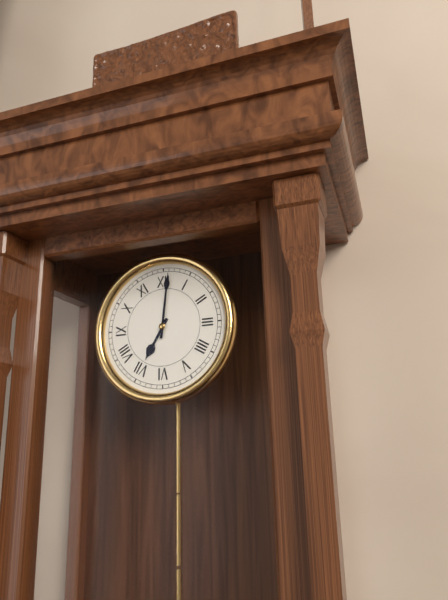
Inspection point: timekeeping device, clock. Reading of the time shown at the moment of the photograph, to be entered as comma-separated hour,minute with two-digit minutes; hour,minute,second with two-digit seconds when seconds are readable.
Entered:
7,01
